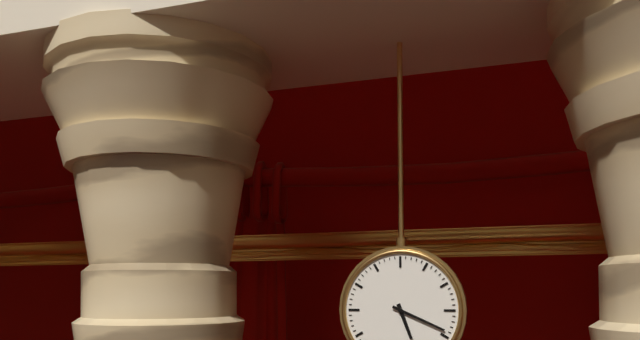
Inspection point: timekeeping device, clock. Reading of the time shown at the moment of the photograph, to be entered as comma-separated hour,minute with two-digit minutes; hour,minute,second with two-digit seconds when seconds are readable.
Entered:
5,19
